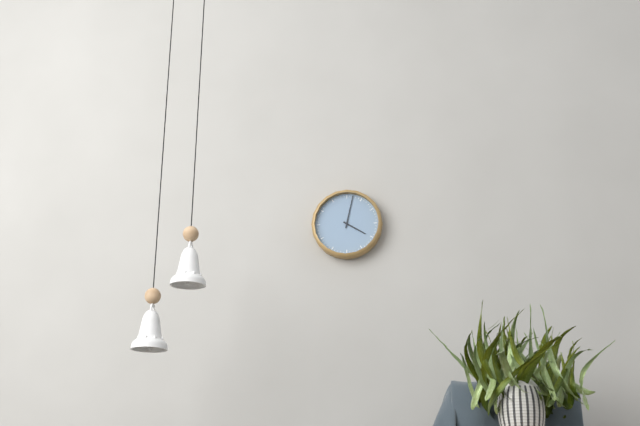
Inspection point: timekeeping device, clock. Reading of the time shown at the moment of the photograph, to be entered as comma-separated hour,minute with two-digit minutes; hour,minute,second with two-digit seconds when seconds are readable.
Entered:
4,02
